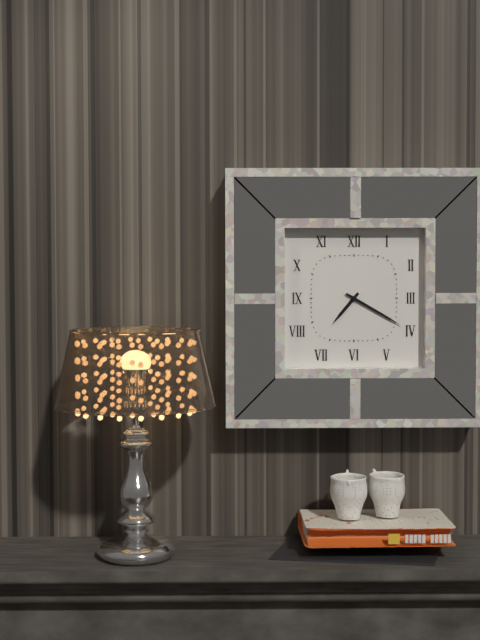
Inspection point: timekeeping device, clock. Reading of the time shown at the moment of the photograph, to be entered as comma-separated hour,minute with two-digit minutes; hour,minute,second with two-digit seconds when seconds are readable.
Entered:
7,20
